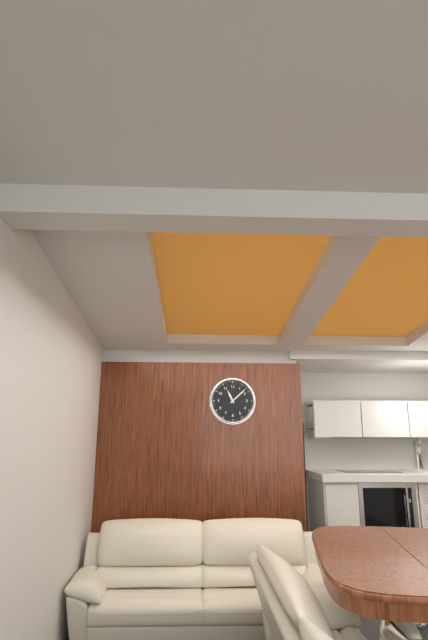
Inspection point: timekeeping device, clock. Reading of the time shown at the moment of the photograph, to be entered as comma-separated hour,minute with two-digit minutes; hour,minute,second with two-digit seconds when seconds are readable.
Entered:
11,08
